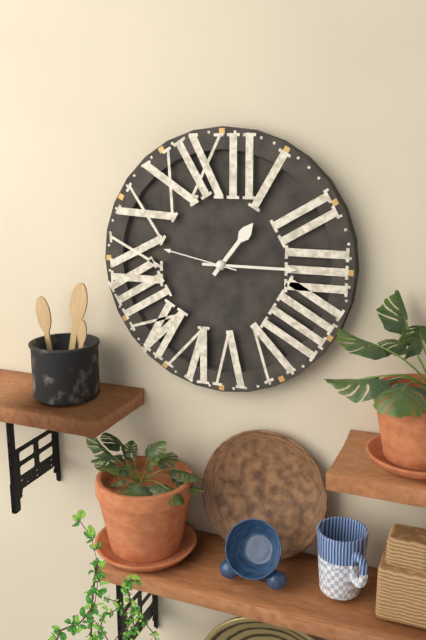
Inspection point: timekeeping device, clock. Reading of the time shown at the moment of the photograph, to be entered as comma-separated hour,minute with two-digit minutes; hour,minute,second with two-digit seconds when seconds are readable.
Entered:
1,15,47
